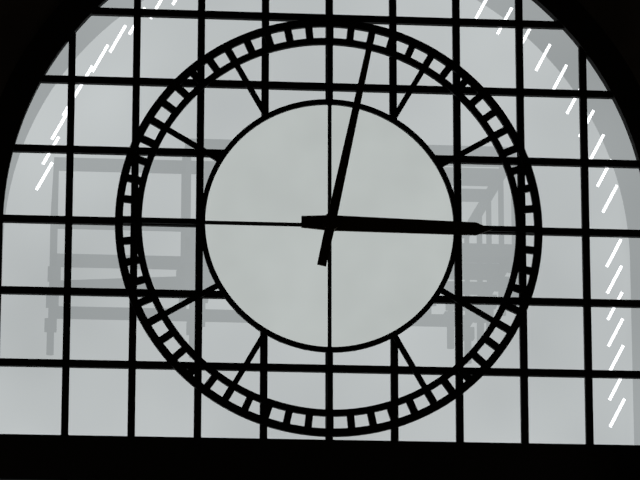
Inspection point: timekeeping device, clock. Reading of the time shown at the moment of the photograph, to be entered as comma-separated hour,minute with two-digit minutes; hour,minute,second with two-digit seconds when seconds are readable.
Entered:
3,02
